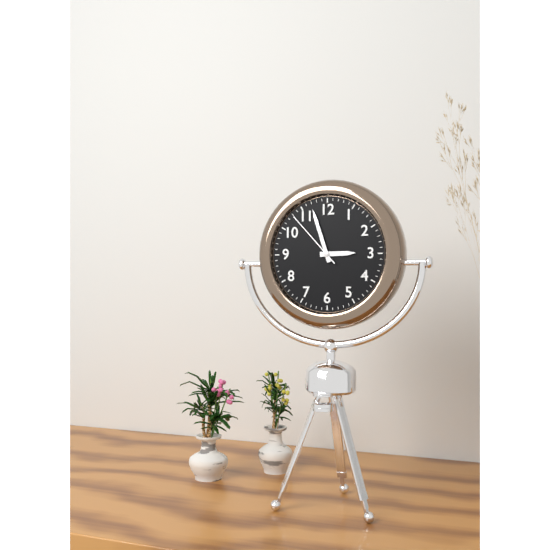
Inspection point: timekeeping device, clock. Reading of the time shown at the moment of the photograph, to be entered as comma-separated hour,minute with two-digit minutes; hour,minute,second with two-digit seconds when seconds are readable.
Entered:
2,57,53
